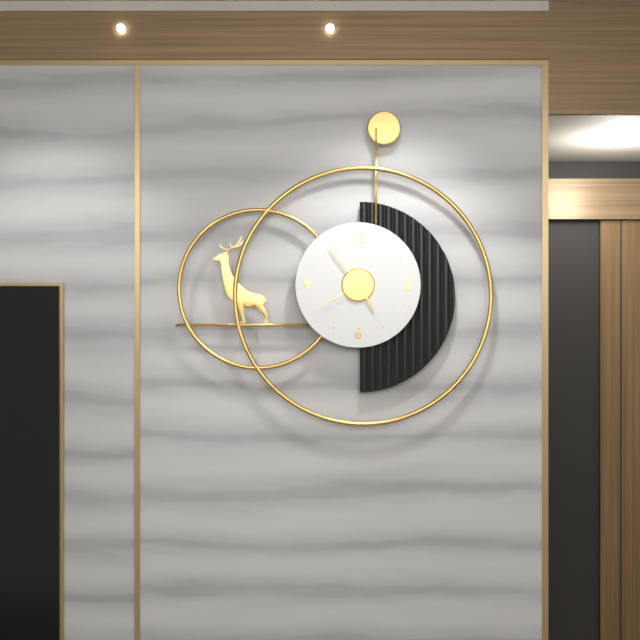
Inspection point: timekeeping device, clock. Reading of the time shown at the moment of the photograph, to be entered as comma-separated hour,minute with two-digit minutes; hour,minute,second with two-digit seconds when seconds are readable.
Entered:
4,54,40
